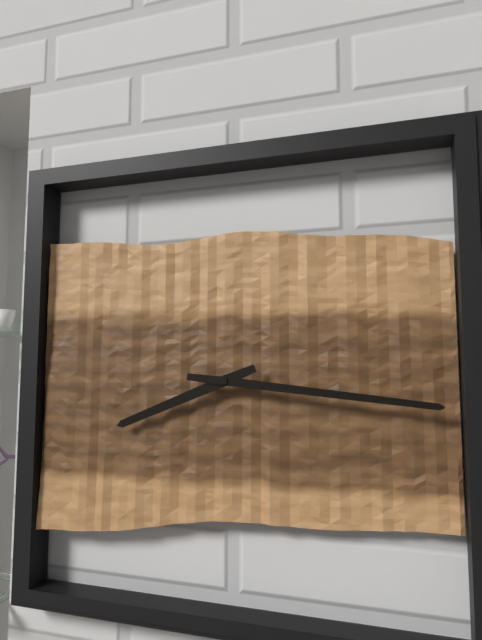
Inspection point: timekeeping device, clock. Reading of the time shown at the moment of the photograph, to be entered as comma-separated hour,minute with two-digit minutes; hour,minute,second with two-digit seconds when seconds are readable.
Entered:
8,16
